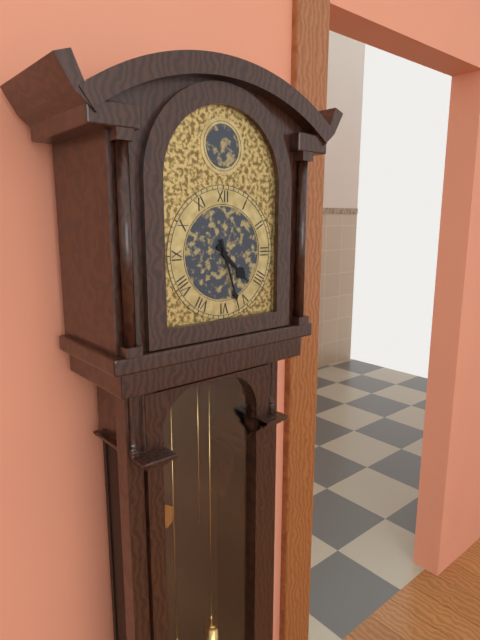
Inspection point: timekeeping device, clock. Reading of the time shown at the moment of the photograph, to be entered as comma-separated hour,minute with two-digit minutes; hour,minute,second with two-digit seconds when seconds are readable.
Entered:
4,27
